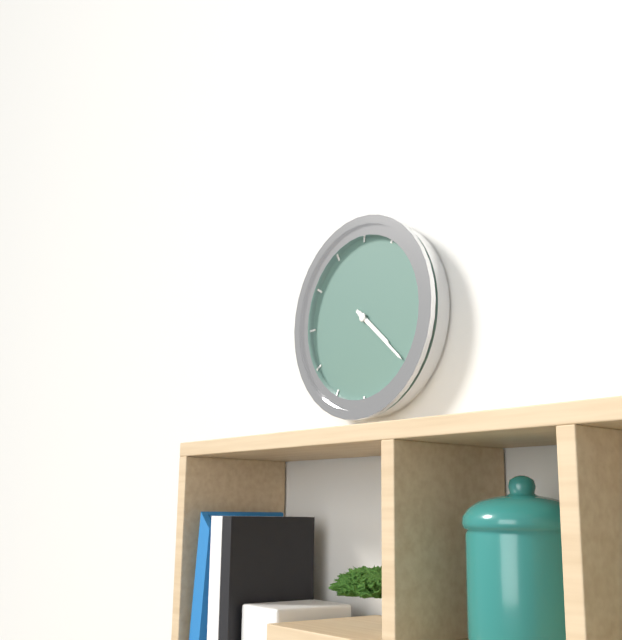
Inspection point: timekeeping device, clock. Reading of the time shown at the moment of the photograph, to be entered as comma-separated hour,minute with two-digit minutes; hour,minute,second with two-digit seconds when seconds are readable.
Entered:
4,22
